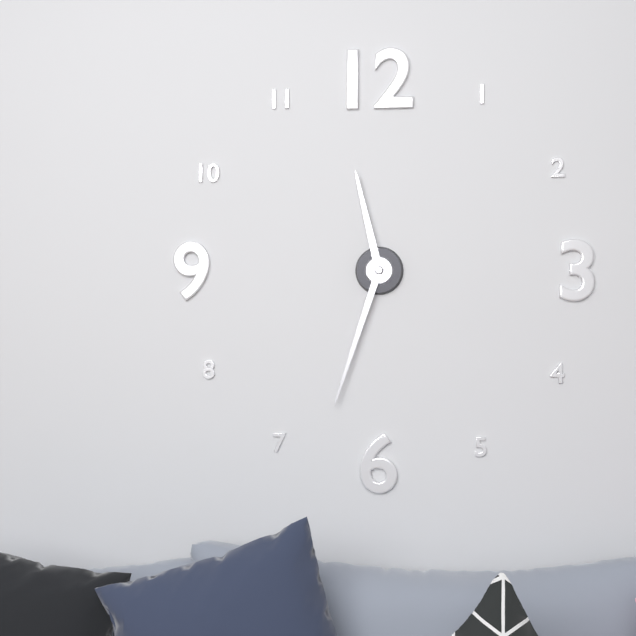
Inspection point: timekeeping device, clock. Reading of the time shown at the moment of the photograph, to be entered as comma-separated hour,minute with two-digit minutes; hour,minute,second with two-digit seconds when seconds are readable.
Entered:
11,33
